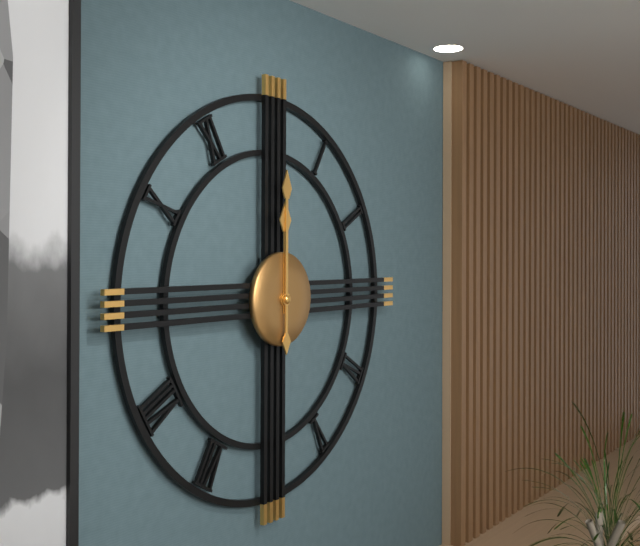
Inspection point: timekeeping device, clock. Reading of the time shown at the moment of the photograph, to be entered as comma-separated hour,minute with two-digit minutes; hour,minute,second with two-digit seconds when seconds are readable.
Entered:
12,00
